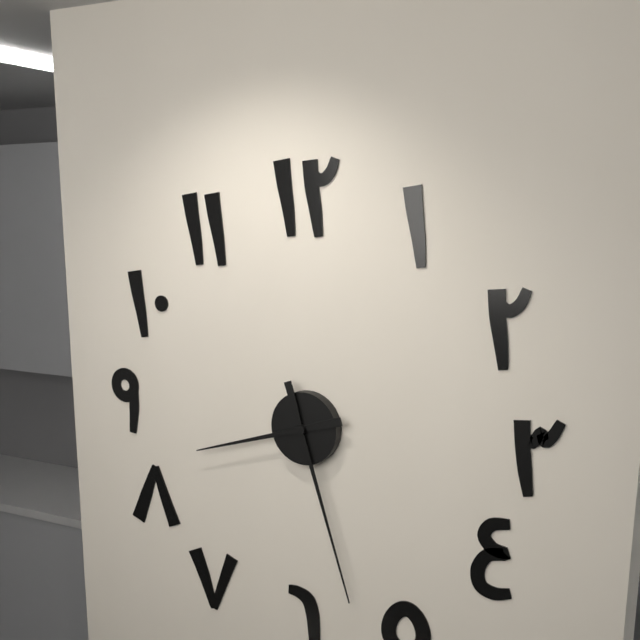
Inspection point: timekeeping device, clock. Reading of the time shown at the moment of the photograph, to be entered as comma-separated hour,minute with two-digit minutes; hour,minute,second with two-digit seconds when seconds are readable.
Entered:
8,27
